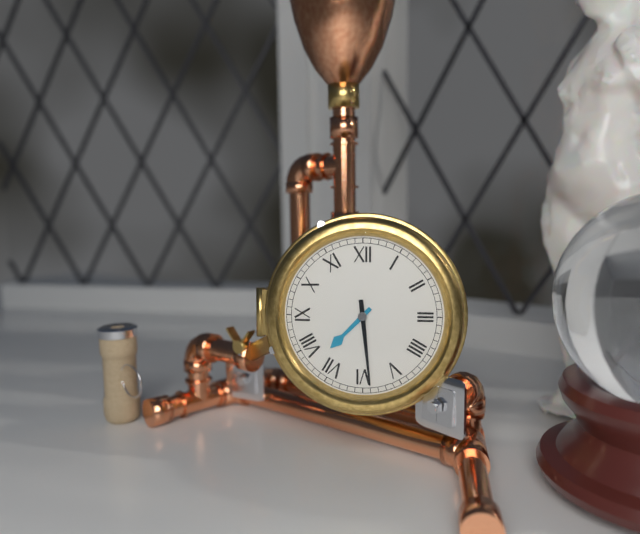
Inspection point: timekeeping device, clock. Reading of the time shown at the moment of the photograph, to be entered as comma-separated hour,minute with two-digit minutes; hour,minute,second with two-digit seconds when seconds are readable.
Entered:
7,29
